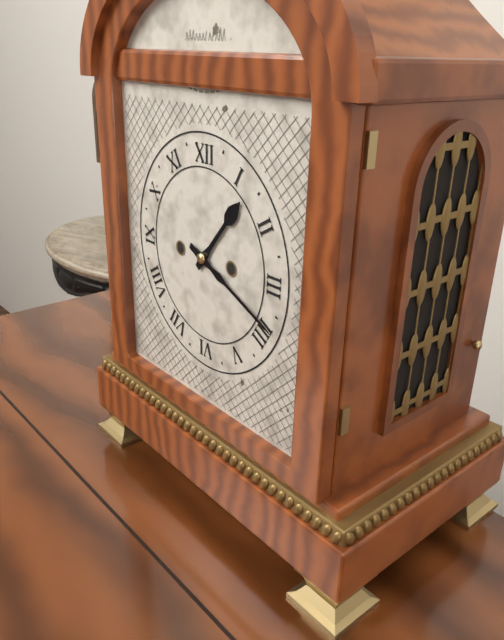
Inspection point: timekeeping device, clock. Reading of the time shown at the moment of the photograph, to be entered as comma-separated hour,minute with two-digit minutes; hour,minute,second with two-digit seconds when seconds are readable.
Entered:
1,19
